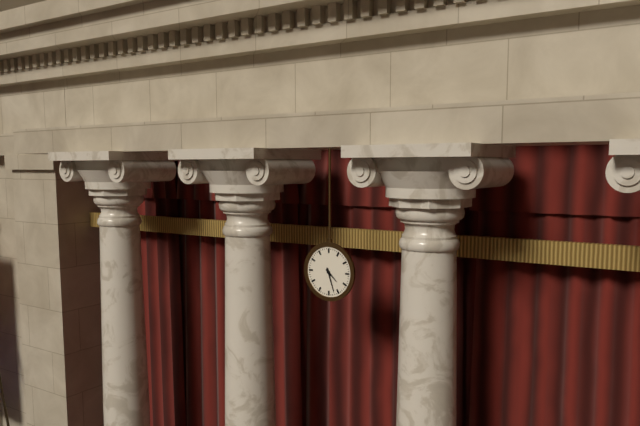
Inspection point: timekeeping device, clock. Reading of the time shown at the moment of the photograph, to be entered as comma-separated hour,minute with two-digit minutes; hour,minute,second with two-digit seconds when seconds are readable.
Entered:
4,27
